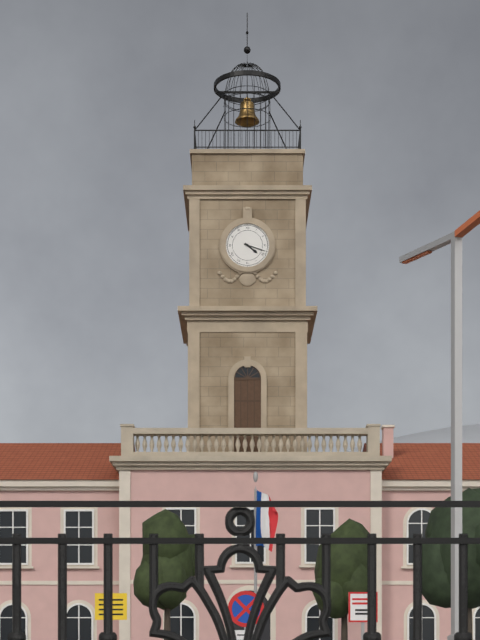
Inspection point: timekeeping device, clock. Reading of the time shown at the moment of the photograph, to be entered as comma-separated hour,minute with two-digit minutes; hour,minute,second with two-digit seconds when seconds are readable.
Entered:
4,18
